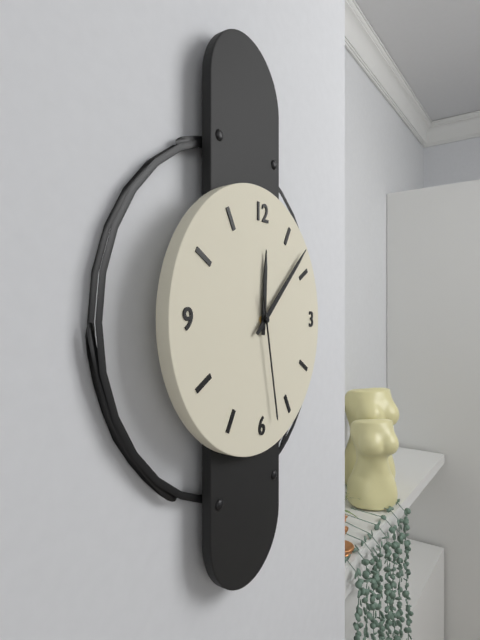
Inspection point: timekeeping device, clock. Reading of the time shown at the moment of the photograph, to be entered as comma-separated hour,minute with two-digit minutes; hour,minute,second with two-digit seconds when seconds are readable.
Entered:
12,08,28
